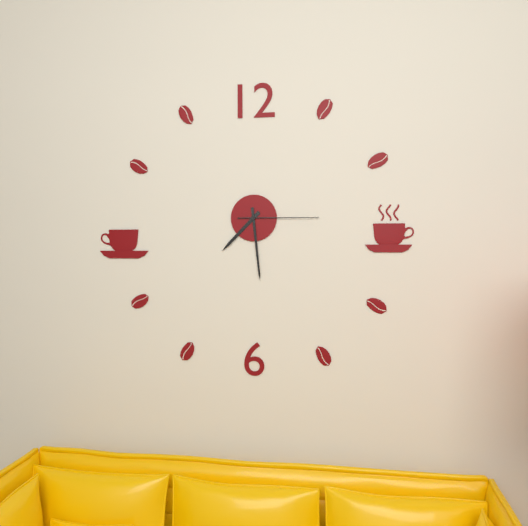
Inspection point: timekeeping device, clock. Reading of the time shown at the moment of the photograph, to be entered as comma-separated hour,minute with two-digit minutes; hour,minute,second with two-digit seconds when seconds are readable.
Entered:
7,29,15
